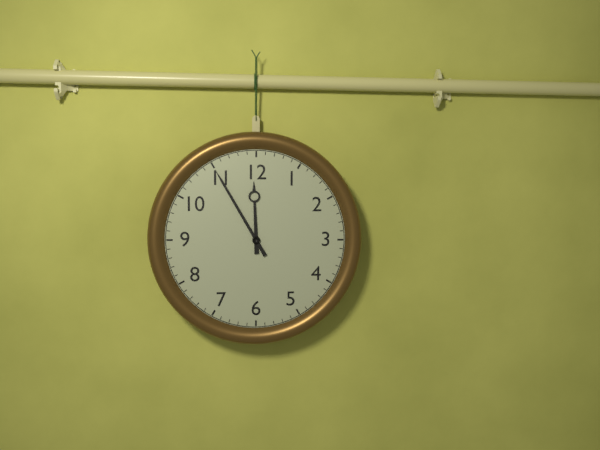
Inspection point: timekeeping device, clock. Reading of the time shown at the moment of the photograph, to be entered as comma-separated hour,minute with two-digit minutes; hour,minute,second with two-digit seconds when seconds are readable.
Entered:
11,55
